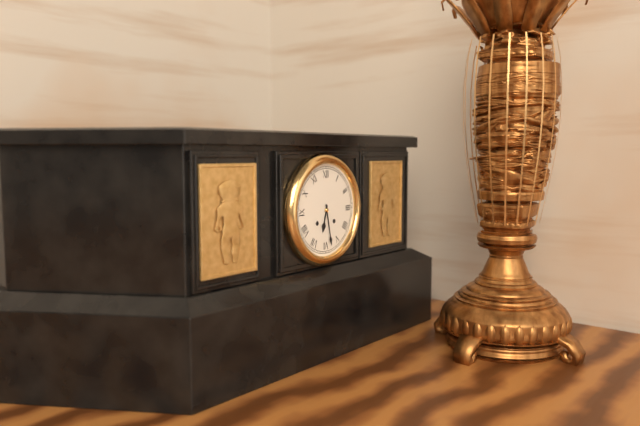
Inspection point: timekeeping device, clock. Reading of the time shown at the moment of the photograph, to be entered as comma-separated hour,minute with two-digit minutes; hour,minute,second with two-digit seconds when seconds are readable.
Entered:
6,28
